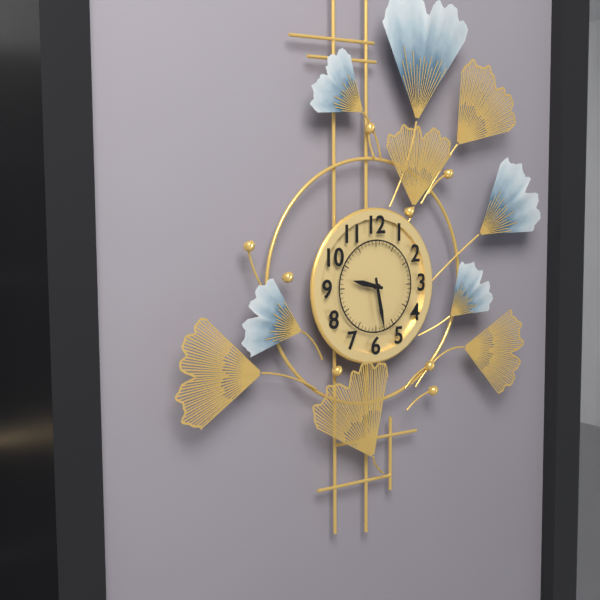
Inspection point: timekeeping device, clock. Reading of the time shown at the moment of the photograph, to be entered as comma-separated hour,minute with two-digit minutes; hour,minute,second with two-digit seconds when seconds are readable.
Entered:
9,28
